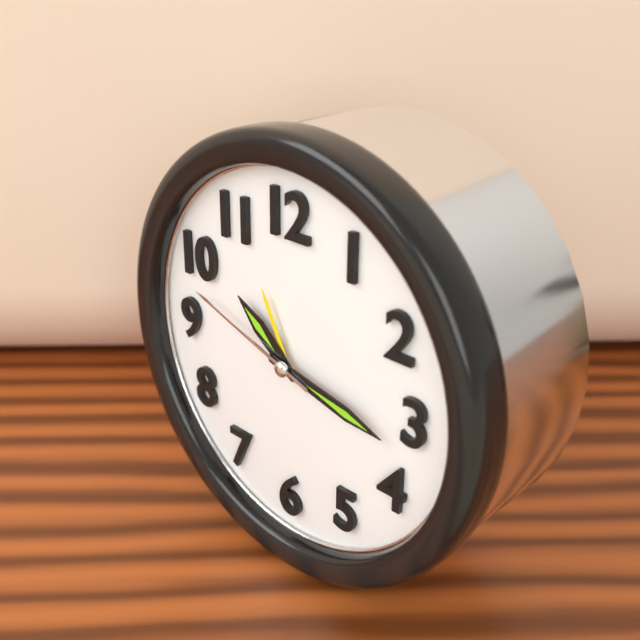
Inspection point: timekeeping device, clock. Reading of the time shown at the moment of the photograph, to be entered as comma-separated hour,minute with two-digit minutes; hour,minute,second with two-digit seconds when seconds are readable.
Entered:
10,17,48
